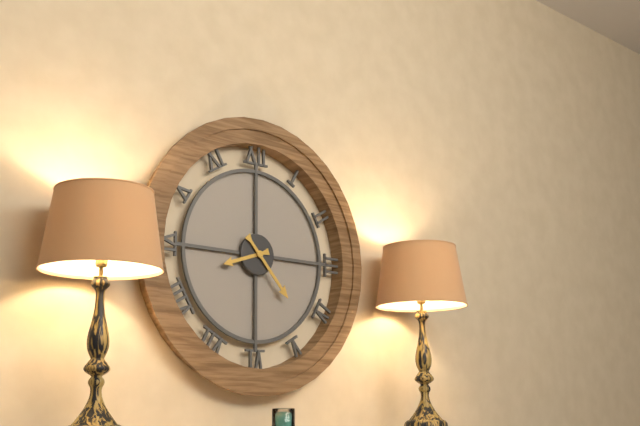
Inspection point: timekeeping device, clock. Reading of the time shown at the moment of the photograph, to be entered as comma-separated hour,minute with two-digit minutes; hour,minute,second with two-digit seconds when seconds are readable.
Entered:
8,23
